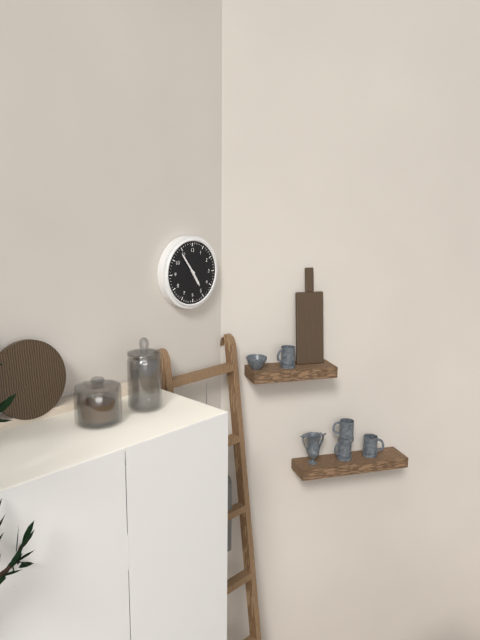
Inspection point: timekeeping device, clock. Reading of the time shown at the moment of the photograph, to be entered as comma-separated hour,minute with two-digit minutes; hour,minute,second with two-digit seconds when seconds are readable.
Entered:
4,54
